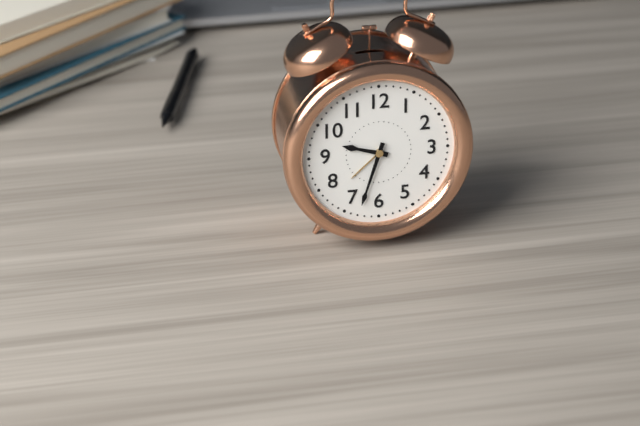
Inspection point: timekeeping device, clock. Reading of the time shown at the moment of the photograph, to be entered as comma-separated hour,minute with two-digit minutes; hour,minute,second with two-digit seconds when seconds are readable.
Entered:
9,33
